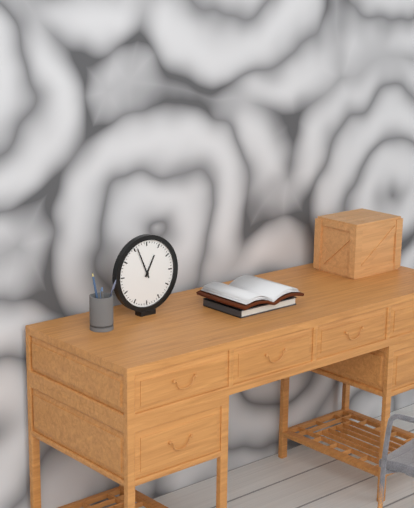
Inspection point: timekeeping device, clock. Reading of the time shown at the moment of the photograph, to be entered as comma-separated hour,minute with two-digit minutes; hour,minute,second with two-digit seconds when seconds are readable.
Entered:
12,56
